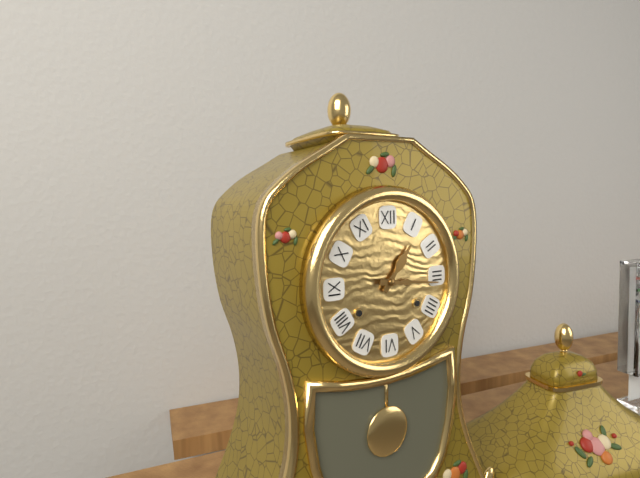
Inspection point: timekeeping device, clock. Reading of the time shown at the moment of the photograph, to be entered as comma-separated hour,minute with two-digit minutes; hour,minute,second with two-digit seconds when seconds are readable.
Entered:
1,16
